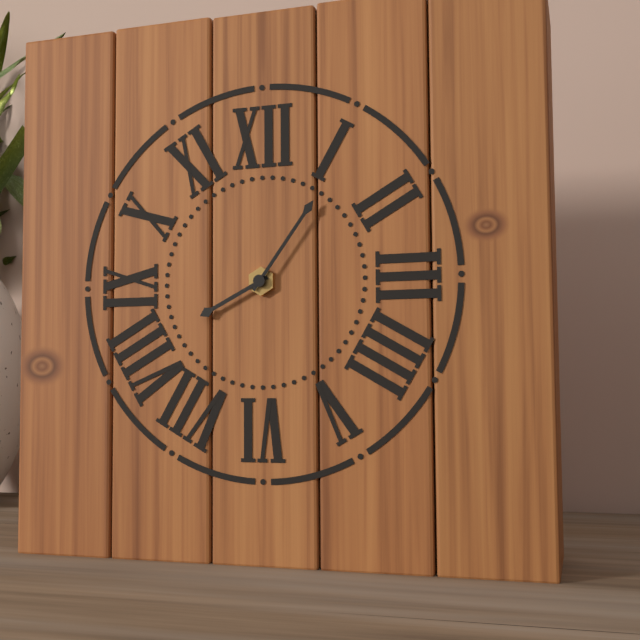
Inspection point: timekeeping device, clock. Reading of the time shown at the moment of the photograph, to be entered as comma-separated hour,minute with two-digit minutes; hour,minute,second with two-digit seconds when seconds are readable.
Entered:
8,06
